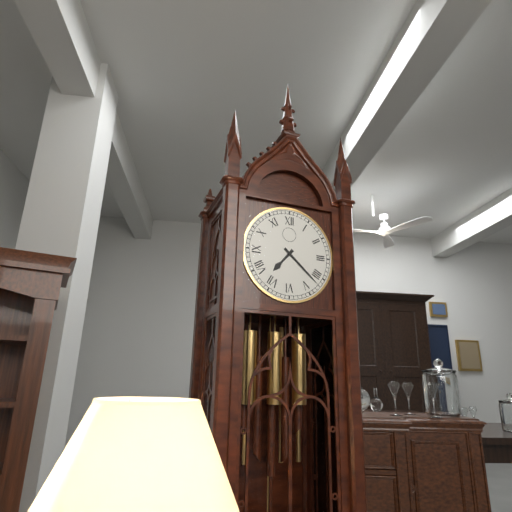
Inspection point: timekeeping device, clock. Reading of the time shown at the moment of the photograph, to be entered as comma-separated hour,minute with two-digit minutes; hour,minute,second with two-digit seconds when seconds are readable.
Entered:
7,22
